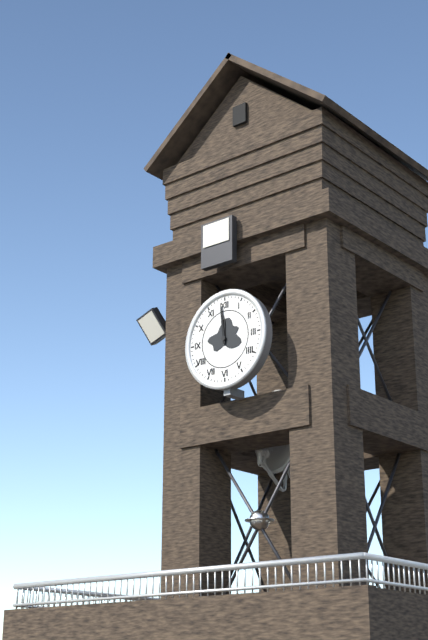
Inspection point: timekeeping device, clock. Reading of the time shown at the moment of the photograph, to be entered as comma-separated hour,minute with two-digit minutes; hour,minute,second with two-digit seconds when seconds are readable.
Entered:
11,59
